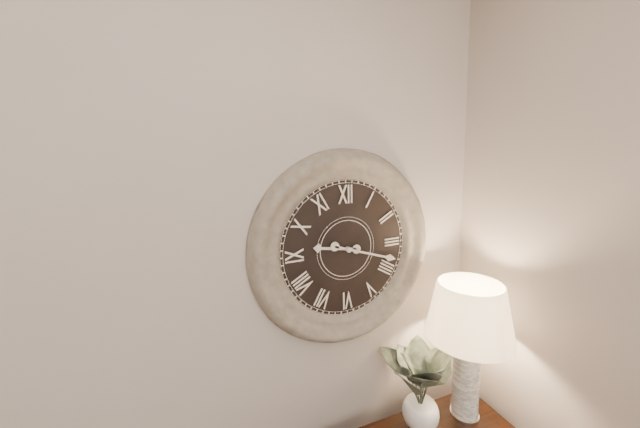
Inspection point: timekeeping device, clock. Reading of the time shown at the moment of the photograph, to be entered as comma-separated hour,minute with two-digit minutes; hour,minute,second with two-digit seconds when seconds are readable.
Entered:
9,18
